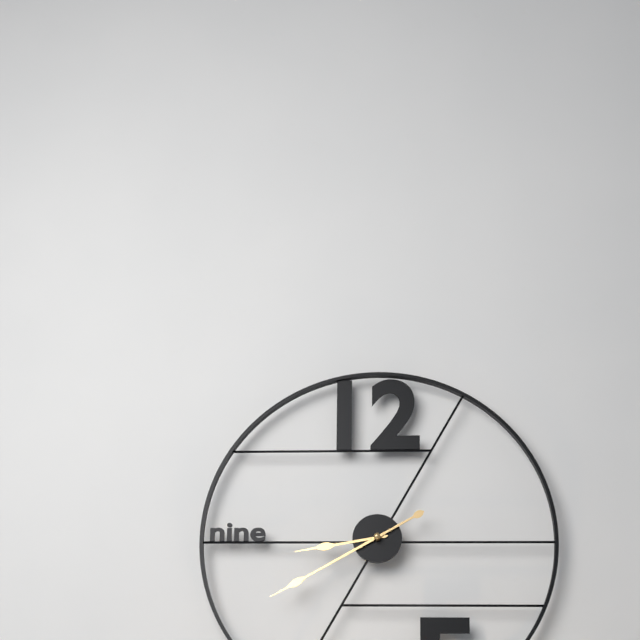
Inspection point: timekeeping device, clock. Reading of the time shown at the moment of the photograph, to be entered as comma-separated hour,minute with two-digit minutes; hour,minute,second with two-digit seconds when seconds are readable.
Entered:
8,40
